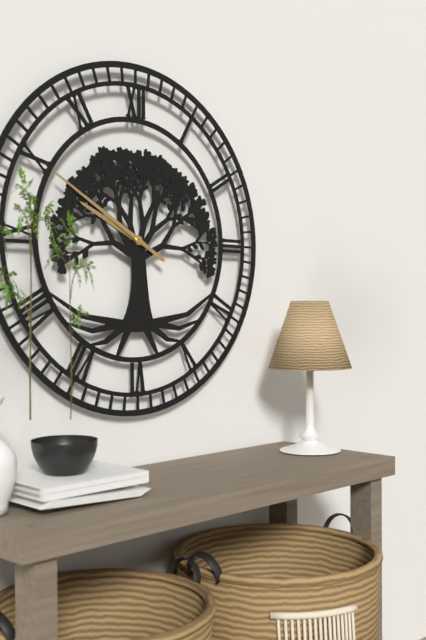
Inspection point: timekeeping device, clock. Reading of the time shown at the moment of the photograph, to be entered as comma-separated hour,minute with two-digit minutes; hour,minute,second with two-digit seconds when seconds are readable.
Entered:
9,50
